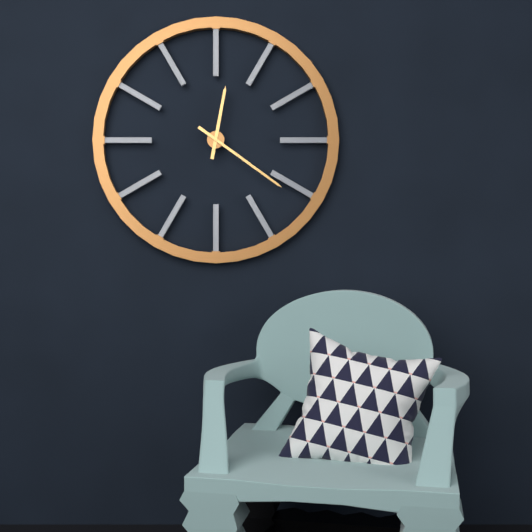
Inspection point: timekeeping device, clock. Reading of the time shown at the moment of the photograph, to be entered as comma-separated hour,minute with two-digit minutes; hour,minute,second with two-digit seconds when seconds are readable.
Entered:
12,21
